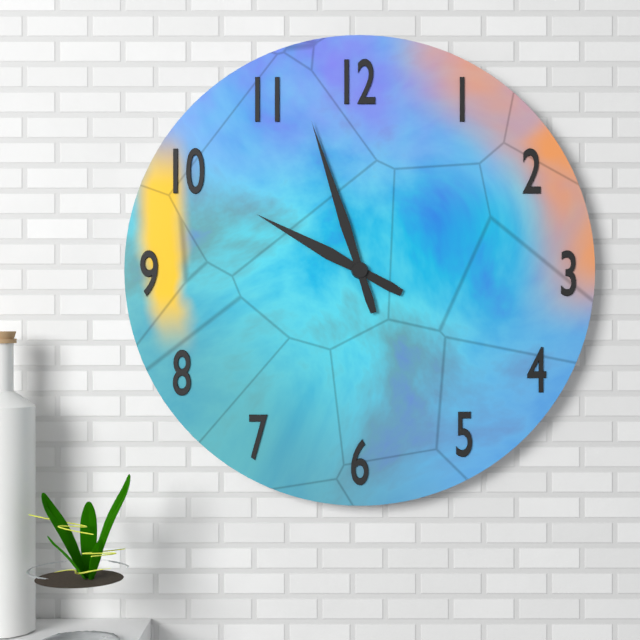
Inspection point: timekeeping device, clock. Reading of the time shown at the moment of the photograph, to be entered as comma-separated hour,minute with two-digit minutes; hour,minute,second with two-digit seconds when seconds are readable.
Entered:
9,57
